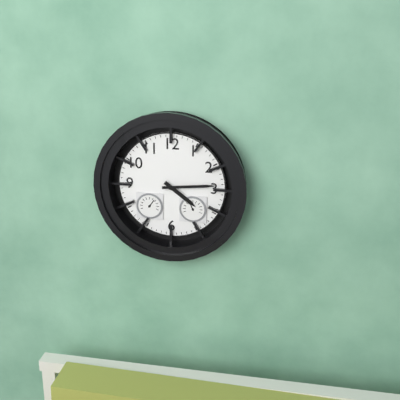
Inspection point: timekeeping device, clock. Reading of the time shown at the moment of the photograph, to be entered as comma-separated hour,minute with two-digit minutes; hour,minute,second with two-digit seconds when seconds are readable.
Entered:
4,14
